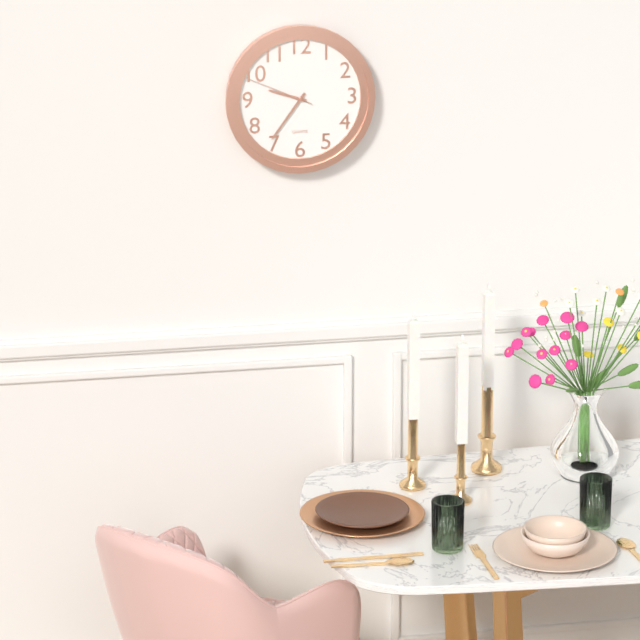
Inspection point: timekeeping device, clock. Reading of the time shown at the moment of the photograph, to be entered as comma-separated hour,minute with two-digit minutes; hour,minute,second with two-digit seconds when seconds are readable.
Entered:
9,36,49
